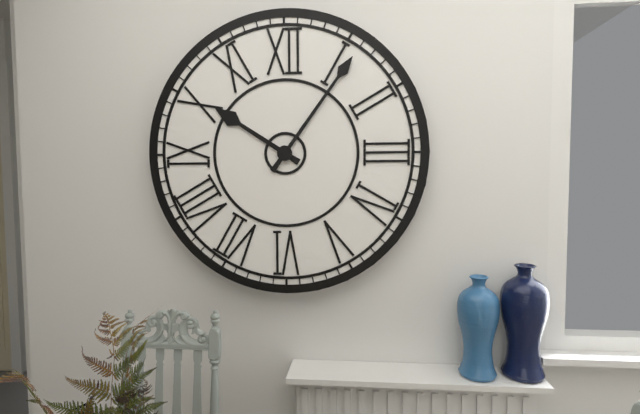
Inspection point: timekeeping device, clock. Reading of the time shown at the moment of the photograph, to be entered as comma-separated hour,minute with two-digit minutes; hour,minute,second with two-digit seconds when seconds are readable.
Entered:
10,06
